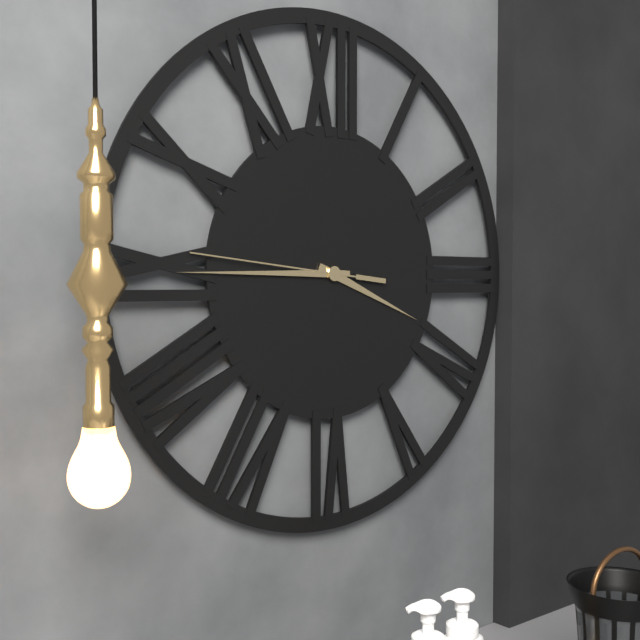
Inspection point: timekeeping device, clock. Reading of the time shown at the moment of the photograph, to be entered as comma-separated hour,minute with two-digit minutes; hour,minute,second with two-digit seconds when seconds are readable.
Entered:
3,45,46
